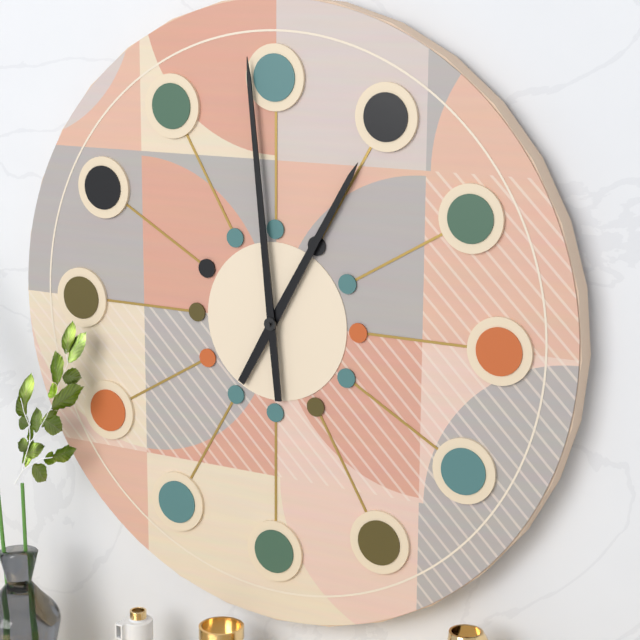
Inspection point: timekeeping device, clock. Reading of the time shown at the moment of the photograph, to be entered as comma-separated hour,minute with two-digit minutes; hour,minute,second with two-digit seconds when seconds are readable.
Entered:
12,59
